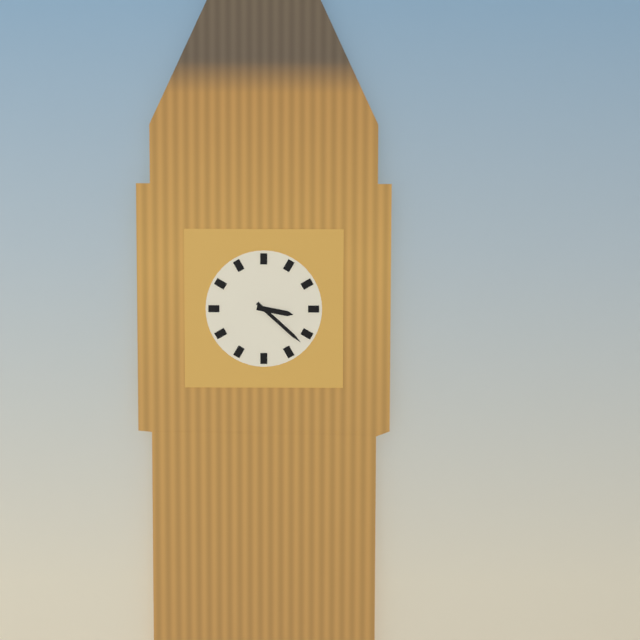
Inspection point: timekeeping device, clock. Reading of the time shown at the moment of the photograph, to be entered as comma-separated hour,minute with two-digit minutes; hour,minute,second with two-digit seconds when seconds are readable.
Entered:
3,22
